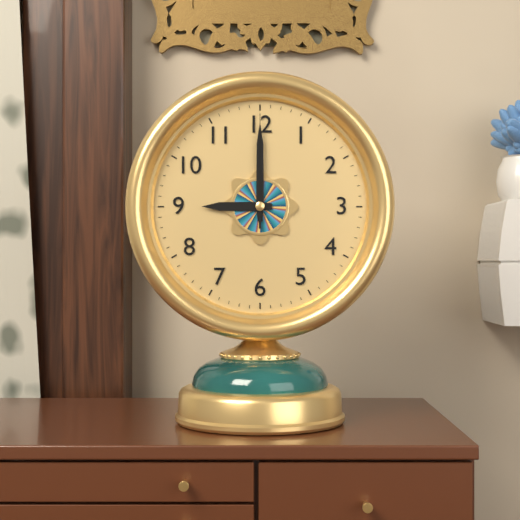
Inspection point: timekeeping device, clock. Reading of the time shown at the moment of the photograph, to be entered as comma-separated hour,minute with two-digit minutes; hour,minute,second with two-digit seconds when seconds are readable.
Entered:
9,00,00
